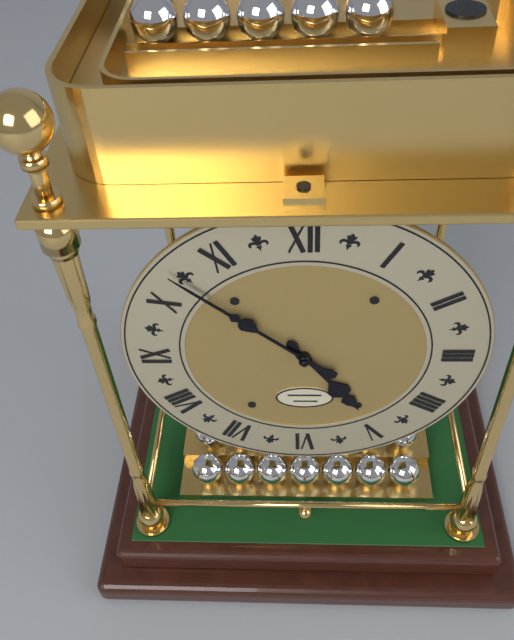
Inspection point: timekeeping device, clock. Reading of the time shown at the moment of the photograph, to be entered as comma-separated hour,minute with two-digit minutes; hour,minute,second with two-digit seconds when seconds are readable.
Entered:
4,52
